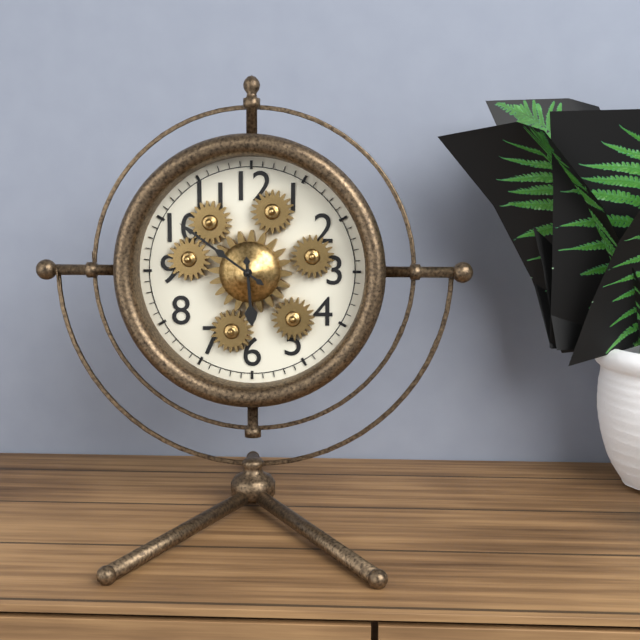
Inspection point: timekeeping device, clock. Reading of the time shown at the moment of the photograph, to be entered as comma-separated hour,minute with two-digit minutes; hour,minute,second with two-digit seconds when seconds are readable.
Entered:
5,51
